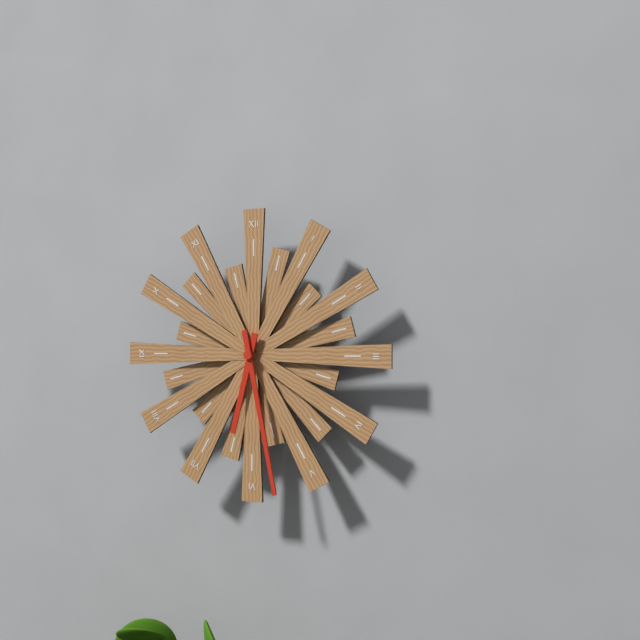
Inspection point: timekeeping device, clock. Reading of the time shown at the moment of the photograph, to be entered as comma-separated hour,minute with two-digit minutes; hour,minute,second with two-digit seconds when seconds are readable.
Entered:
6,28
